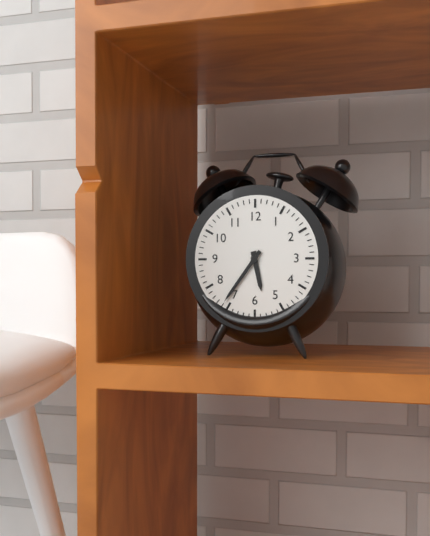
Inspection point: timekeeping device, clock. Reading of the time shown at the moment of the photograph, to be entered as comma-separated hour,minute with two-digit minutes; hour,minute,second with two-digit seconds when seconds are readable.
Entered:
5,36
